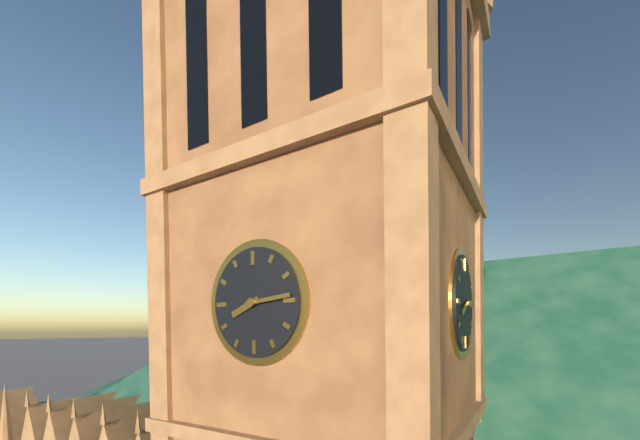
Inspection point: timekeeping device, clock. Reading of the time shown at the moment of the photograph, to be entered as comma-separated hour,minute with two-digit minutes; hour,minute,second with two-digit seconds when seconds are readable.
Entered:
8,14
